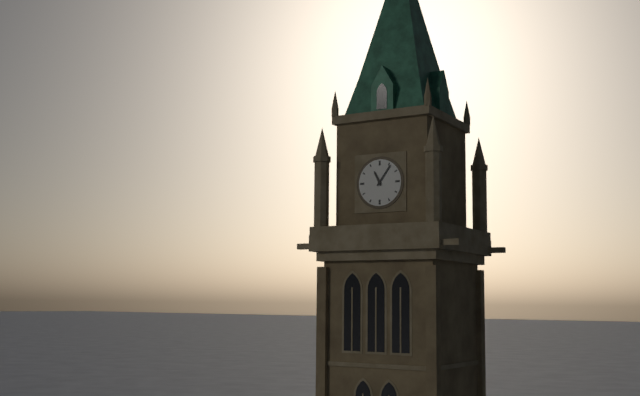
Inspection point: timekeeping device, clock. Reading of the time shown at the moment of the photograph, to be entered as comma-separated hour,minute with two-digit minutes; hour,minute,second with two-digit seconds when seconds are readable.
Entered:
11,06
